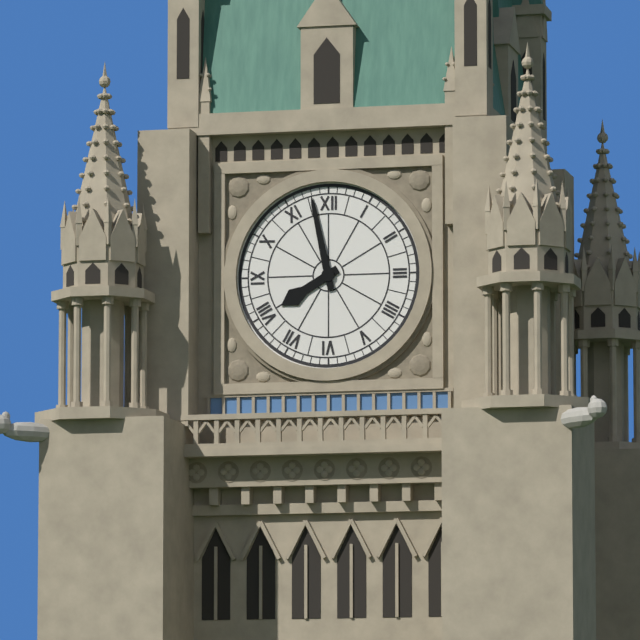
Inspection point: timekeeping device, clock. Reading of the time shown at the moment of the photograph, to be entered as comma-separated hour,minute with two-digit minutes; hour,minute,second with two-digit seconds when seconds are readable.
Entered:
7,58
